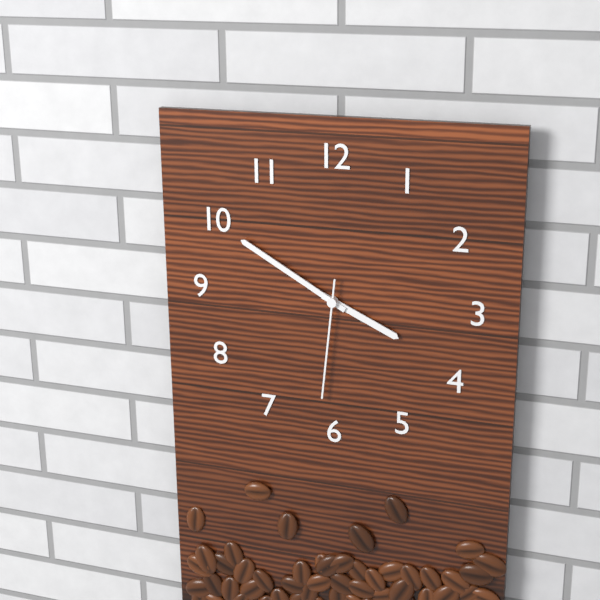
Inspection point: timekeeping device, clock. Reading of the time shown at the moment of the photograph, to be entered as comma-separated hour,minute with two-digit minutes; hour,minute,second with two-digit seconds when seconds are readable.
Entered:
3,50,31
